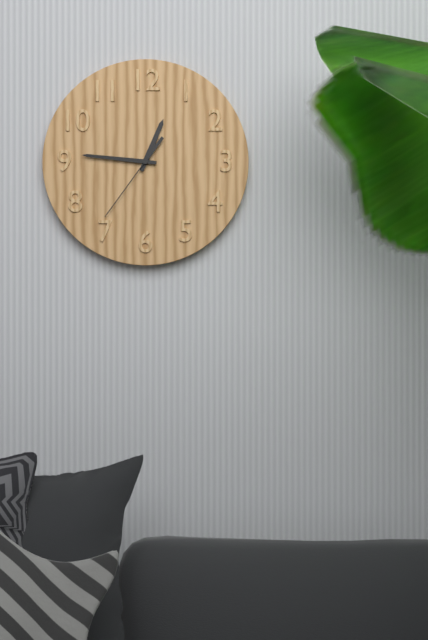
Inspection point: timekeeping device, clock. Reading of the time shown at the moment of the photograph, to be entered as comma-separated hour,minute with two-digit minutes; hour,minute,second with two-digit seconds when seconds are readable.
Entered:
12,46,36
